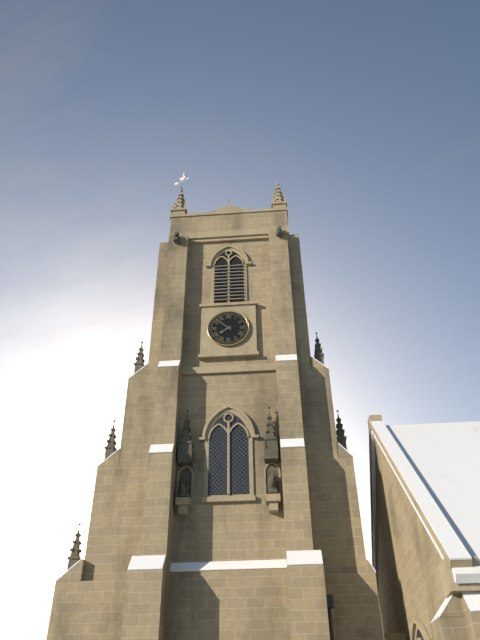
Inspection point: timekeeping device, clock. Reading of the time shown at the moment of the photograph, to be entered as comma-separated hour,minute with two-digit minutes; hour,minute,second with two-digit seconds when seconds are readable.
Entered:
7,52
